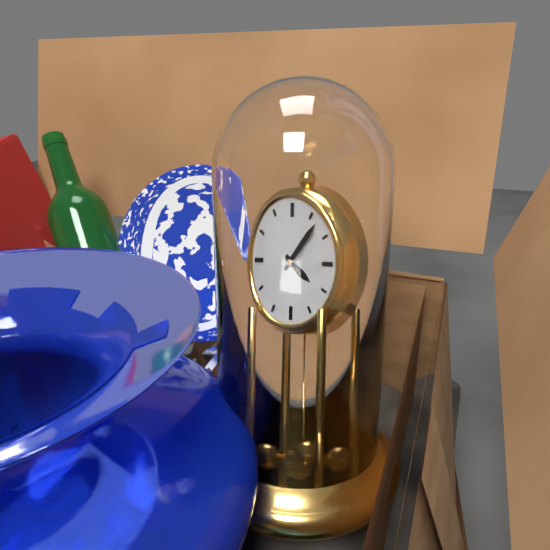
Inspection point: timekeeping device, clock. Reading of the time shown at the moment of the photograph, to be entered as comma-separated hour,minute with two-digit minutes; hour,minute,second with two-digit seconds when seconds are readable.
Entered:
4,07
